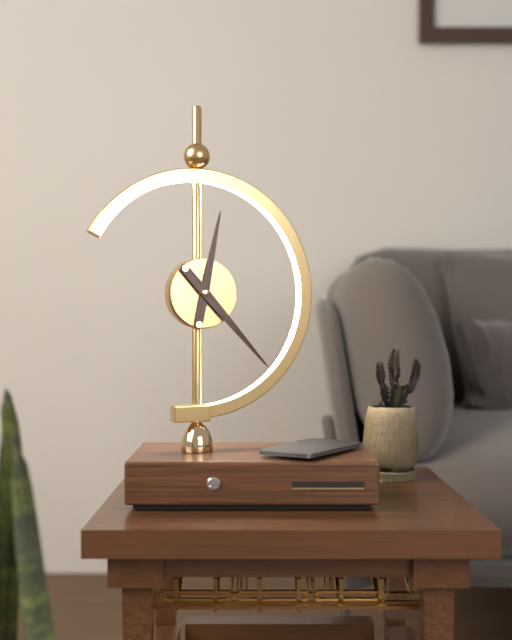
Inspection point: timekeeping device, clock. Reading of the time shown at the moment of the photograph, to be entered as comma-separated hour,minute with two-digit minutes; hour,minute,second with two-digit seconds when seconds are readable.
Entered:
12,23
